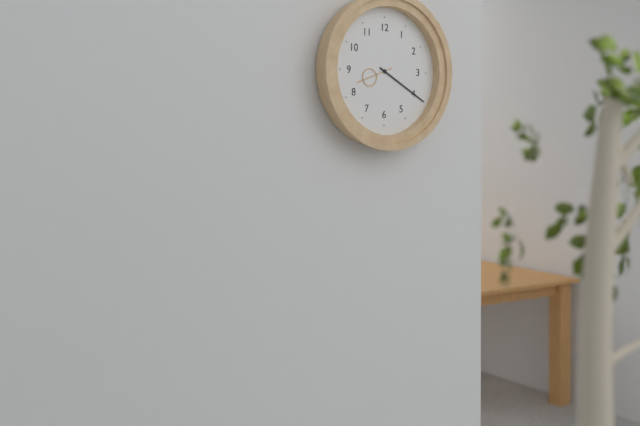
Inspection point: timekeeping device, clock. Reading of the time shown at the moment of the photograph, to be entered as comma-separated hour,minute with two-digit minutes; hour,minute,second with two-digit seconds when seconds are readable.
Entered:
8,20
